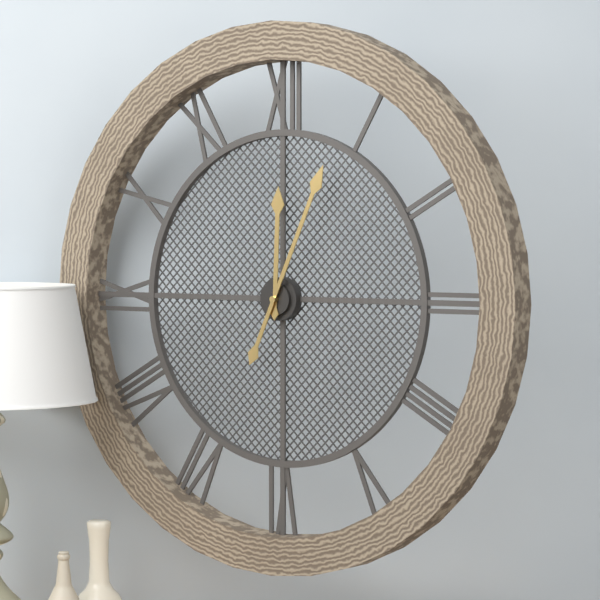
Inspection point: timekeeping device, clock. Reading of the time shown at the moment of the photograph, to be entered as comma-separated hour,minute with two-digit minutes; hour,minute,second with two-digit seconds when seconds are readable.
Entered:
12,04
